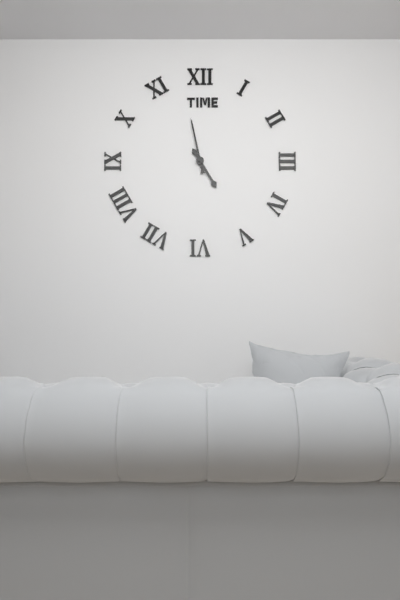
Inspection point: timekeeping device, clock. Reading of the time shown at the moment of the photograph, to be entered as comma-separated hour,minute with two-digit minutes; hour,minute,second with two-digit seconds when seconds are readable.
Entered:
4,58
